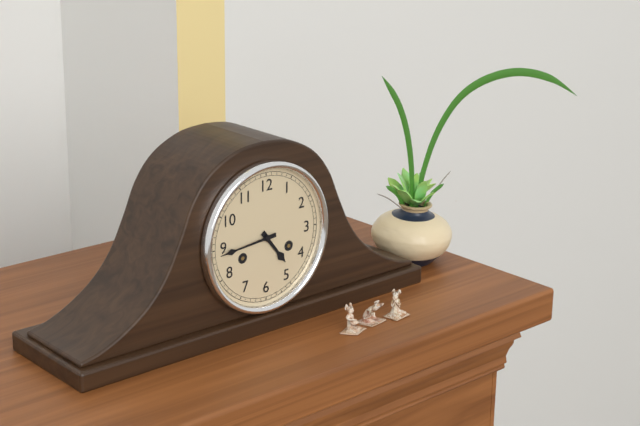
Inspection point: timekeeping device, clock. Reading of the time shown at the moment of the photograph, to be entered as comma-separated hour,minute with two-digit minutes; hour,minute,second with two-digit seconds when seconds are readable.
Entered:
4,44
